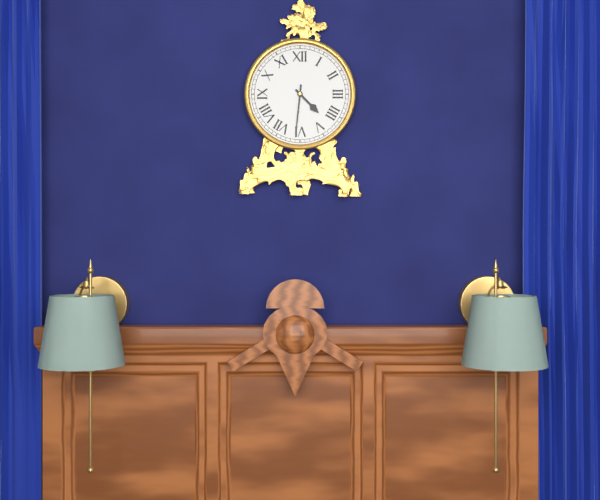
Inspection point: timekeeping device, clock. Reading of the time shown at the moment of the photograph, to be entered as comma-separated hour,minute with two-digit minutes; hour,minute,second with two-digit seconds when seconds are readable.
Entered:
4,31
